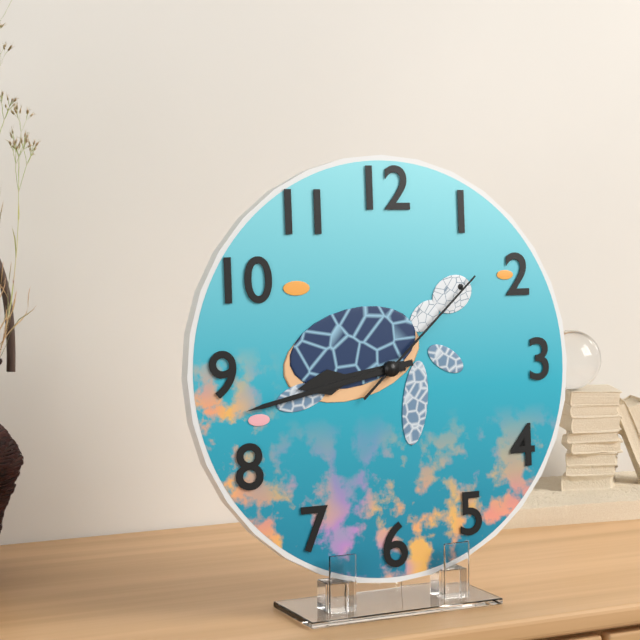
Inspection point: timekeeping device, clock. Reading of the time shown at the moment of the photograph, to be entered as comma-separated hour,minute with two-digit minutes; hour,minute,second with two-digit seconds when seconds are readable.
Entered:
8,43,08
